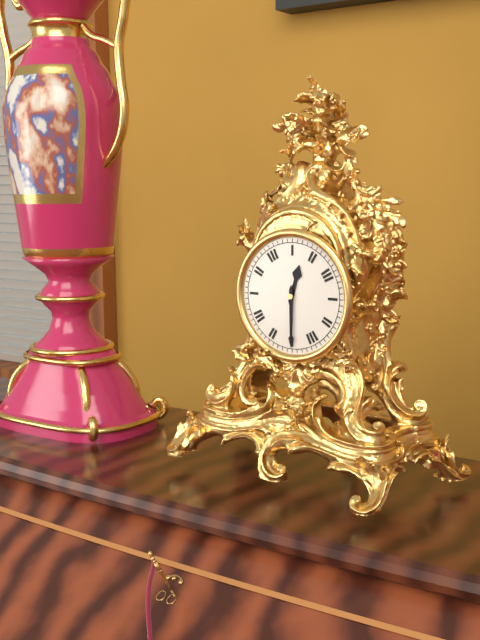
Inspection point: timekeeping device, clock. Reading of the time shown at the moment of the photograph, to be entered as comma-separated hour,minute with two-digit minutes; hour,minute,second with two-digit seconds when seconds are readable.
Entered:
12,30
